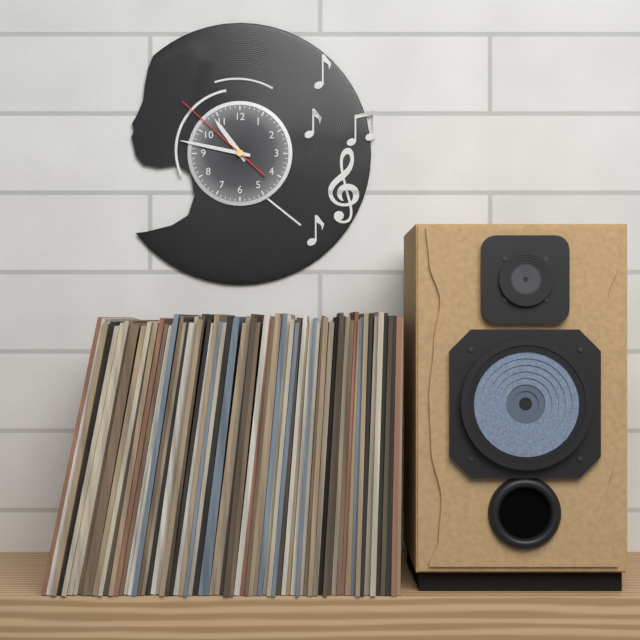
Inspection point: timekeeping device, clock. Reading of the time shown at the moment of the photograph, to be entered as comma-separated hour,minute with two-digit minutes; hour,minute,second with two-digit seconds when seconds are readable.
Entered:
10,47,52
